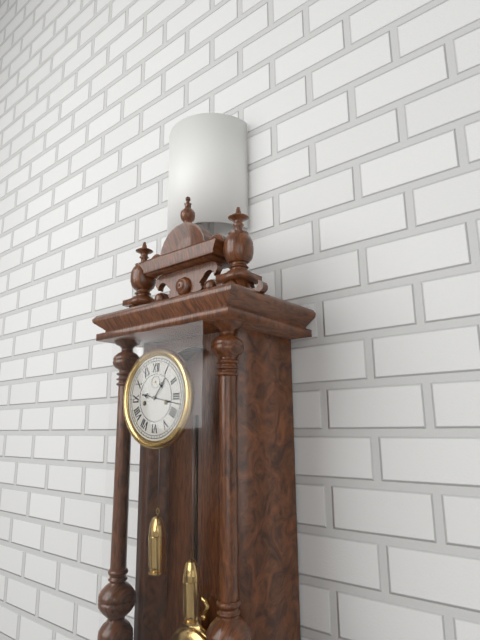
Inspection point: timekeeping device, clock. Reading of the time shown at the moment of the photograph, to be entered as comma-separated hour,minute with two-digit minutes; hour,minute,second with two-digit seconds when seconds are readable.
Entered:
1,17
